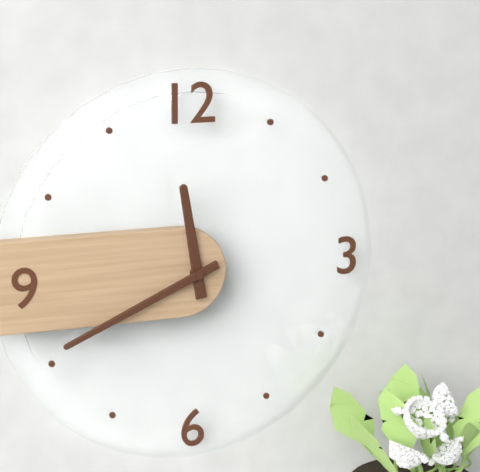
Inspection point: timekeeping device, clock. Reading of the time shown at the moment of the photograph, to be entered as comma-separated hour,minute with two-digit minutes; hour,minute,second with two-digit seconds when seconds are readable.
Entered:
11,41
